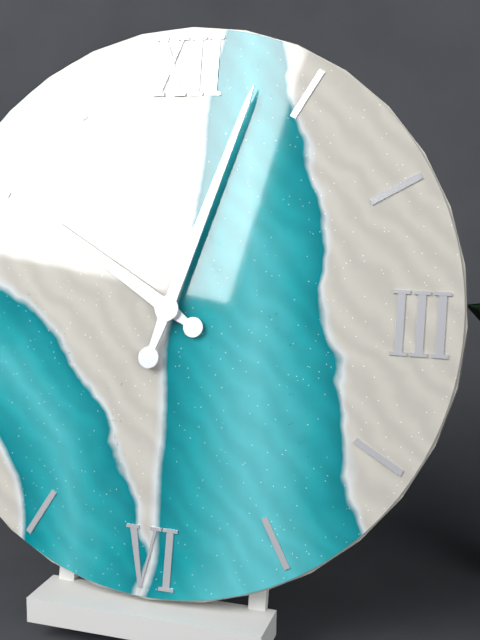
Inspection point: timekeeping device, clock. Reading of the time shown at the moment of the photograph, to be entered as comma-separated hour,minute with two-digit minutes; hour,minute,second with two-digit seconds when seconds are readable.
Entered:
10,03
